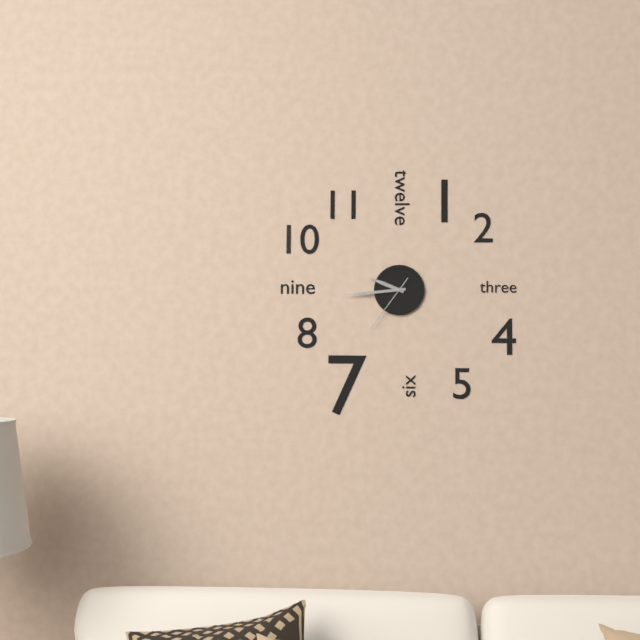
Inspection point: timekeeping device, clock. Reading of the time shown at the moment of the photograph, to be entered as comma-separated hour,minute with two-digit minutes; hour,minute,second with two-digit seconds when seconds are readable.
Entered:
9,44,36
